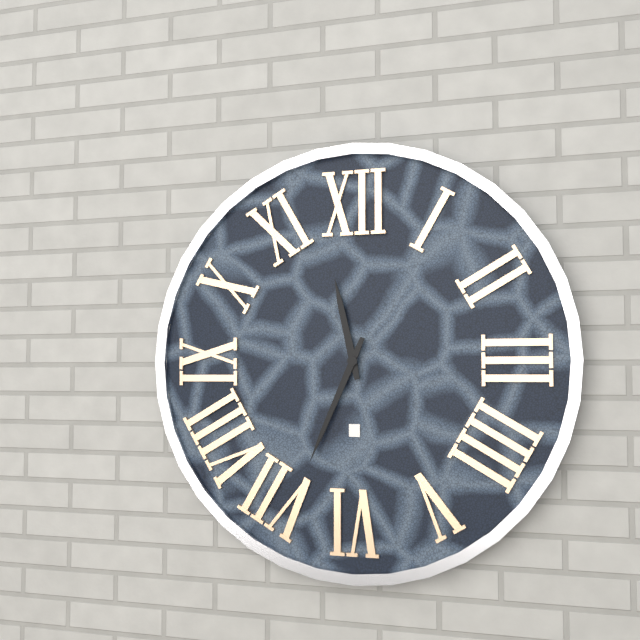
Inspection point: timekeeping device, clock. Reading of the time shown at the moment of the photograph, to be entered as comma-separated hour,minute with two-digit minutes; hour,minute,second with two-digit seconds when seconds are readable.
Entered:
11,34
